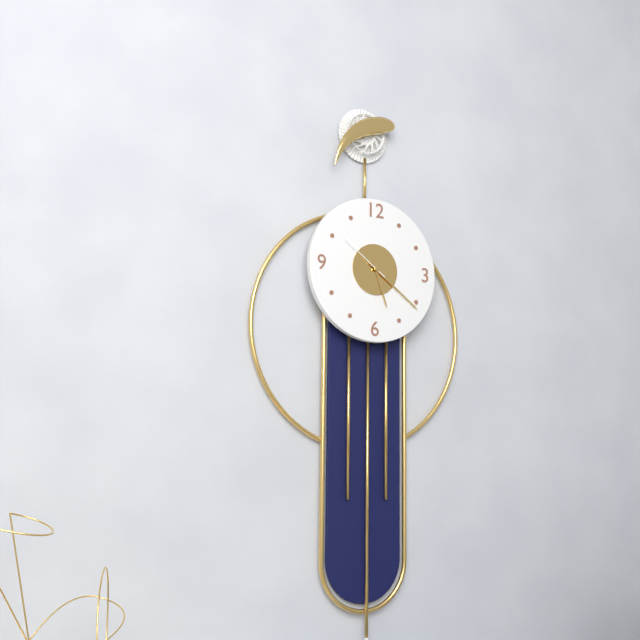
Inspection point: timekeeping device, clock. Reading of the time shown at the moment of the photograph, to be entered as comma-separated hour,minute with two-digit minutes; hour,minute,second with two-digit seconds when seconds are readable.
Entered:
5,21,51
